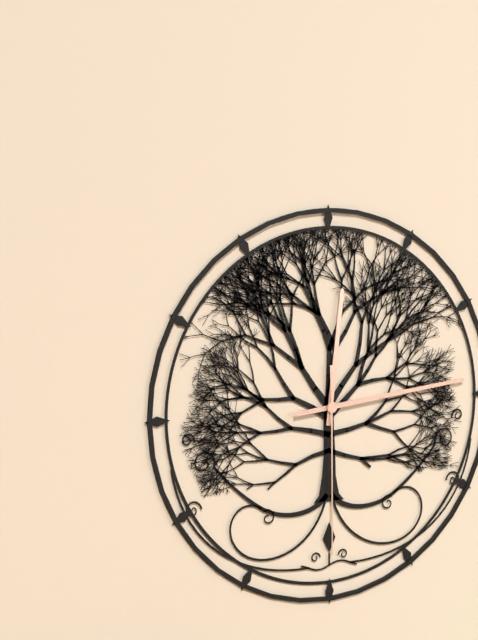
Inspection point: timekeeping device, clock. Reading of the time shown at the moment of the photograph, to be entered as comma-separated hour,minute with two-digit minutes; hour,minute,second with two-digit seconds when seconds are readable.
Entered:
12,14,30
